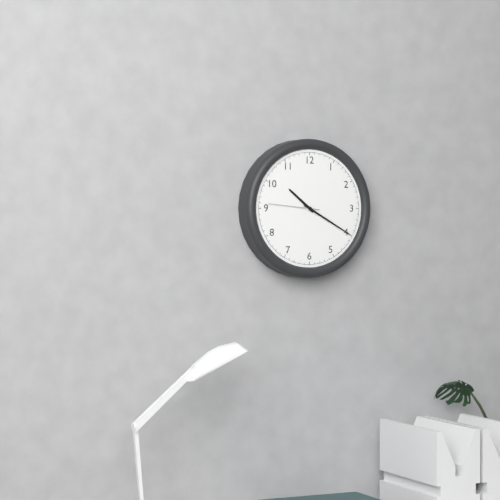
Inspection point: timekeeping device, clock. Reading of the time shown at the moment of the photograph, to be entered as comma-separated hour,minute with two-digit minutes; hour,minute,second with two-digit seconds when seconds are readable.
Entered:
10,20,46
